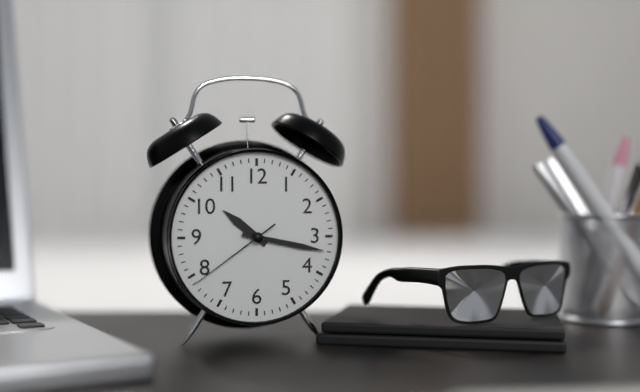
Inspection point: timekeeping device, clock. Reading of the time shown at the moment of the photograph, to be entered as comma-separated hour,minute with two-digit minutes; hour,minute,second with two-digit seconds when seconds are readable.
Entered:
10,17,39
